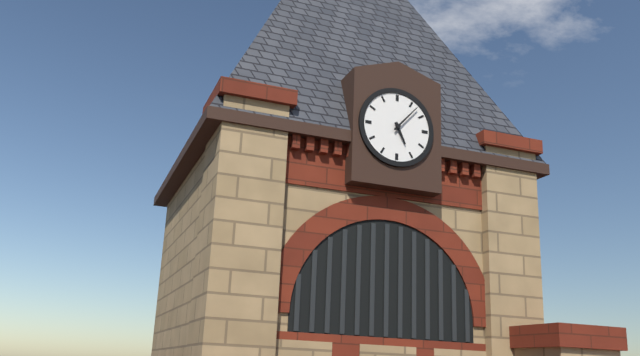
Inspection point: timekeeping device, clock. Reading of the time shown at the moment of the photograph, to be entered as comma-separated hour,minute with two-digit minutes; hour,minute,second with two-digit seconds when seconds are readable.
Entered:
5,07
